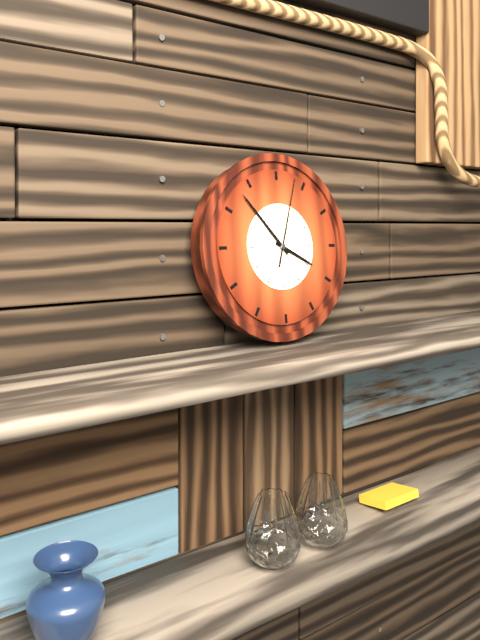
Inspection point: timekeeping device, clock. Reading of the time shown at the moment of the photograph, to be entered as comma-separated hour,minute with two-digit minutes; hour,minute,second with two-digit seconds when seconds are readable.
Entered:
3,53,03
